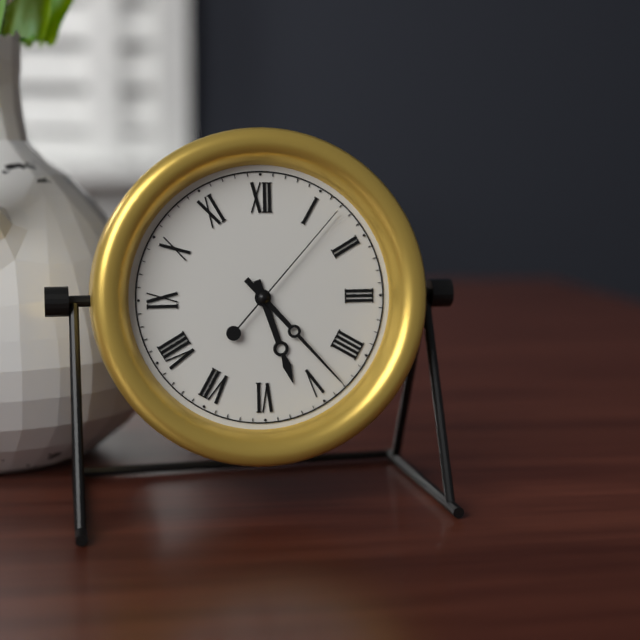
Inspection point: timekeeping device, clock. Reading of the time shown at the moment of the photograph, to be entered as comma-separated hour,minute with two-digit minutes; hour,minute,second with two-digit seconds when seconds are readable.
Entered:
5,23,07
